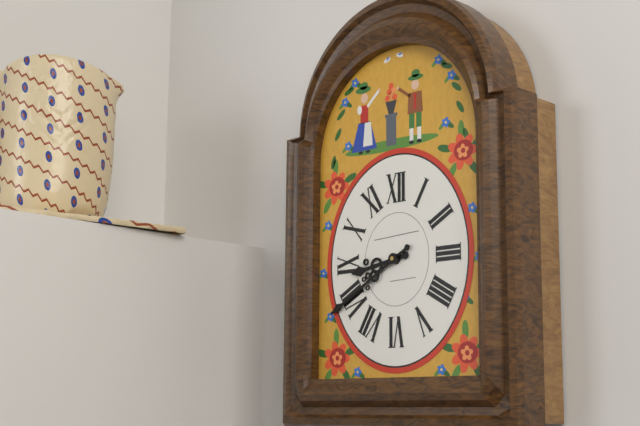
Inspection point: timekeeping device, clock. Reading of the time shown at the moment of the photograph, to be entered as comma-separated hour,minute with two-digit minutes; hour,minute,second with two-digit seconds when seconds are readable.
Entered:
8,40
